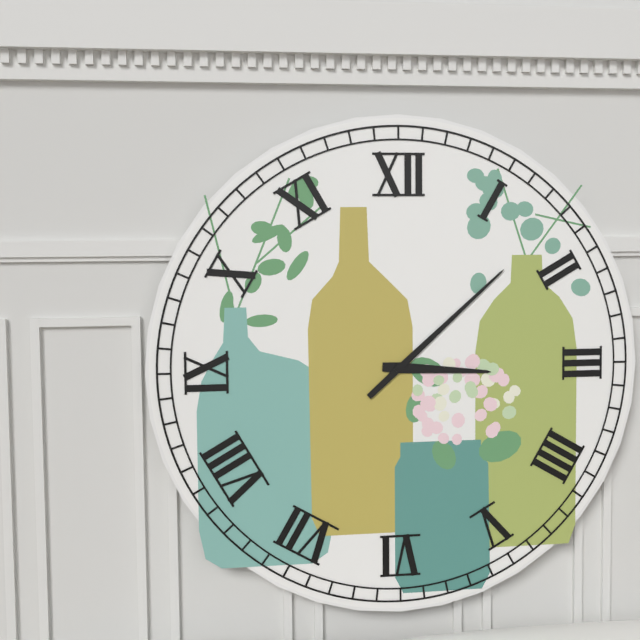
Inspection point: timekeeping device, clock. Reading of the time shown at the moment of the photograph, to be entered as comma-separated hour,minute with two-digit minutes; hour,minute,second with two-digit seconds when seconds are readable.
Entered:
3,08
